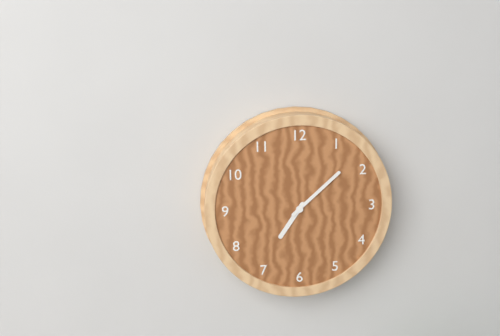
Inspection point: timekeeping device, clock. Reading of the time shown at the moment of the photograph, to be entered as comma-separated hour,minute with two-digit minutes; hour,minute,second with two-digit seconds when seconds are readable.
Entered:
7,08
